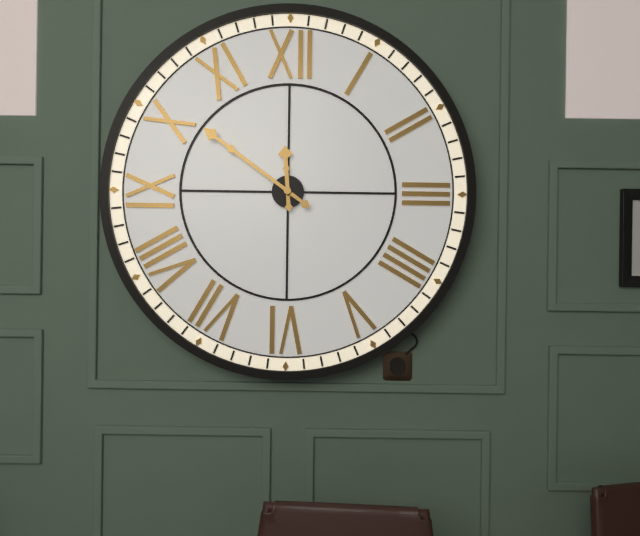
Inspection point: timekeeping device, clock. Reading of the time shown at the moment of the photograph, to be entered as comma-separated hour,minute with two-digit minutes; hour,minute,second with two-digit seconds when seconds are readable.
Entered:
11,51
